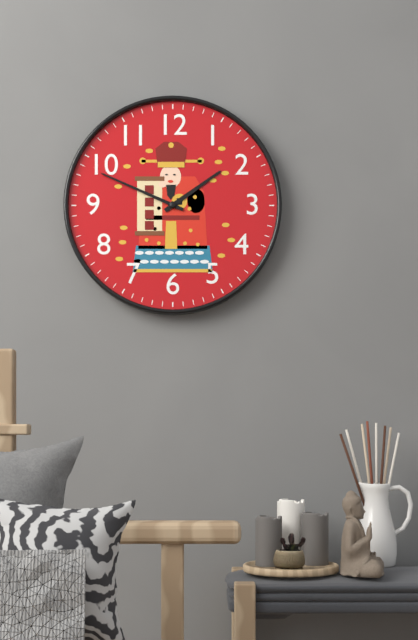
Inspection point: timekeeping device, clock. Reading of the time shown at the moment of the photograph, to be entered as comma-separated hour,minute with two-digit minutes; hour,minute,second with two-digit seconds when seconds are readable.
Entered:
1,49
